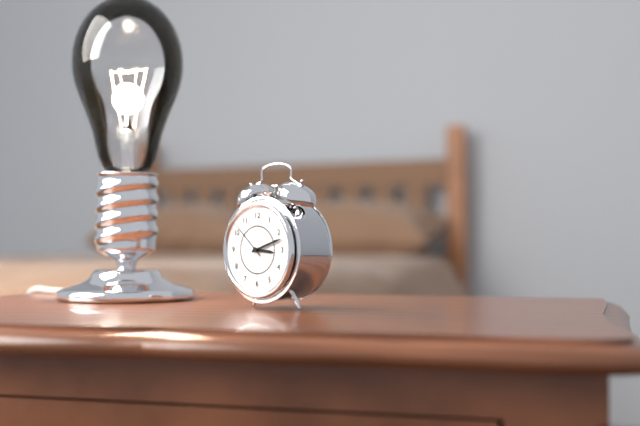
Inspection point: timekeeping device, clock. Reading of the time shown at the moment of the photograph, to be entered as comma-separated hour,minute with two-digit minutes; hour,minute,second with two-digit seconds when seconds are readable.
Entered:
3,12
